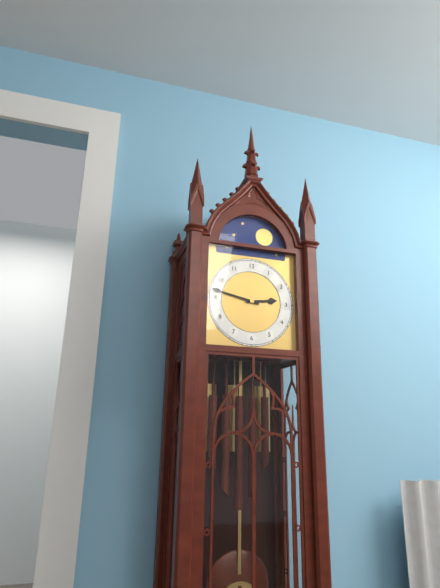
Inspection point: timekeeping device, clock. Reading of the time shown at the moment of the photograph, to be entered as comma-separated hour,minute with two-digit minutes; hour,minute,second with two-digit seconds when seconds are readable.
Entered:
2,47
